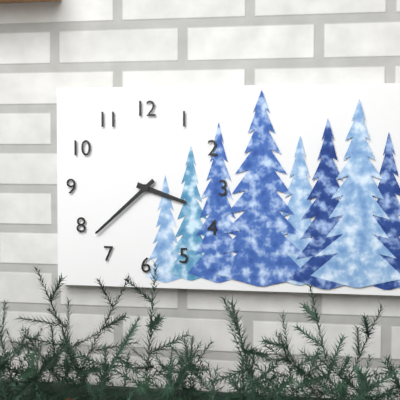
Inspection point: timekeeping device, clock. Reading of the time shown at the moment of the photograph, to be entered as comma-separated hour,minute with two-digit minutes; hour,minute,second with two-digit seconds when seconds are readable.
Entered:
3,38
